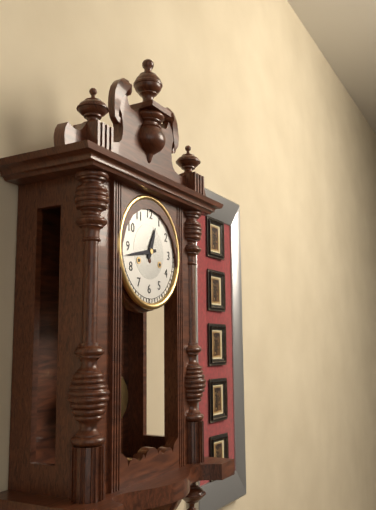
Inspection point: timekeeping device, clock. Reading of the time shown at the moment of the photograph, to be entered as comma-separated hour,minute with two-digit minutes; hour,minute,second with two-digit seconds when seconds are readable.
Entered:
12,43
